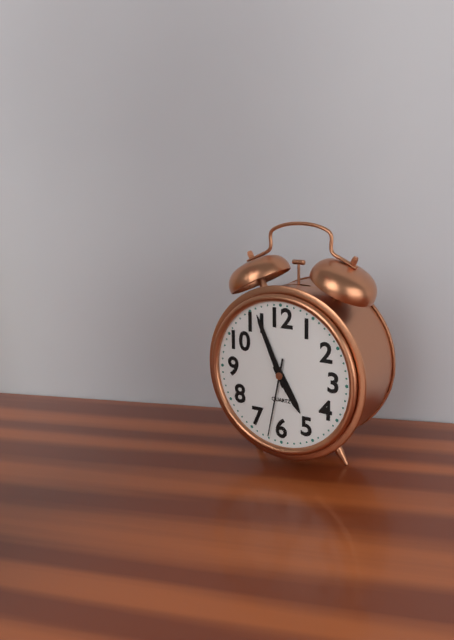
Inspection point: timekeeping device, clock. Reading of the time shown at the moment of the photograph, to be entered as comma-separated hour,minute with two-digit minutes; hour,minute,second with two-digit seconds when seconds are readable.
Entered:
4,56,32
